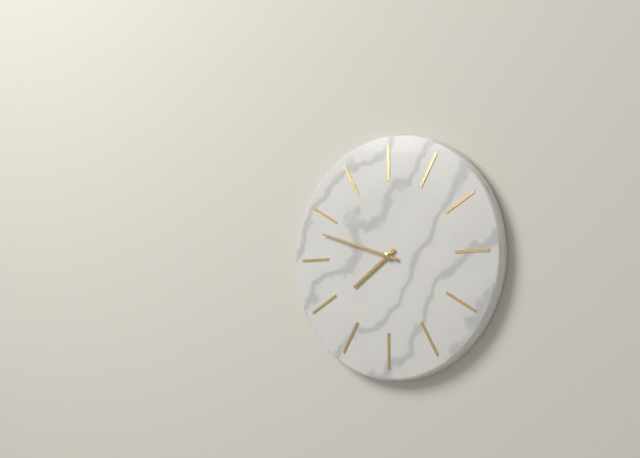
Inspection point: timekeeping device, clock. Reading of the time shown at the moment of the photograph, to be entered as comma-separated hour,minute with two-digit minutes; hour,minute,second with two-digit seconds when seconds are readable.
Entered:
7,48
